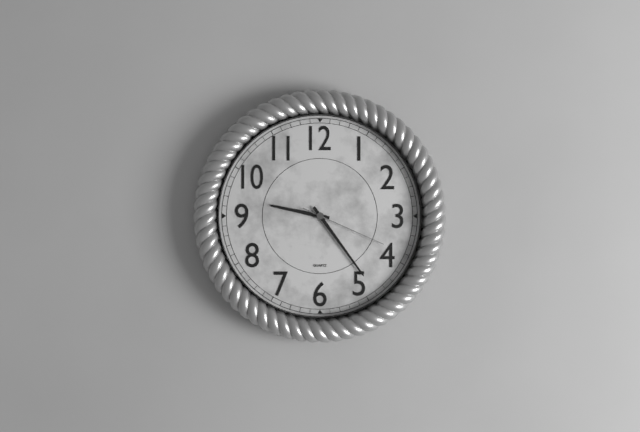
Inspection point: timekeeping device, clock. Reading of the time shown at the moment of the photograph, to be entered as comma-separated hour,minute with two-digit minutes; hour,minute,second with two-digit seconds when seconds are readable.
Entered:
9,24,19
